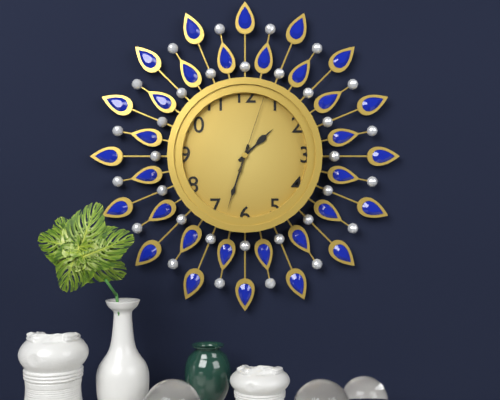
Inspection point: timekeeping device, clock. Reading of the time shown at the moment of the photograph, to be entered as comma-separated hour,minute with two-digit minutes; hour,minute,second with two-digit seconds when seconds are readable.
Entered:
1,33,03
